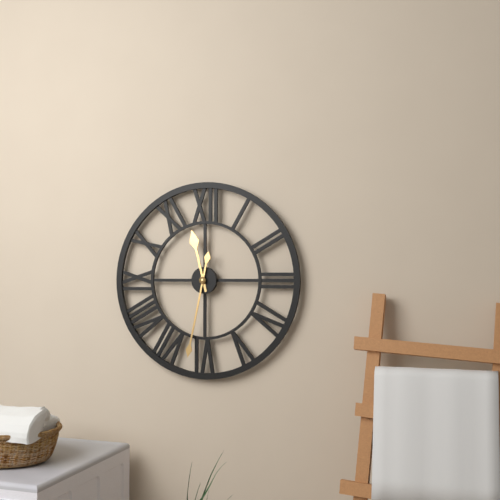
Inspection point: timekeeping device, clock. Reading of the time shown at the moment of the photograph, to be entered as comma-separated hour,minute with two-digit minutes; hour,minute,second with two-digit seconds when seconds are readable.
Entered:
11,32
